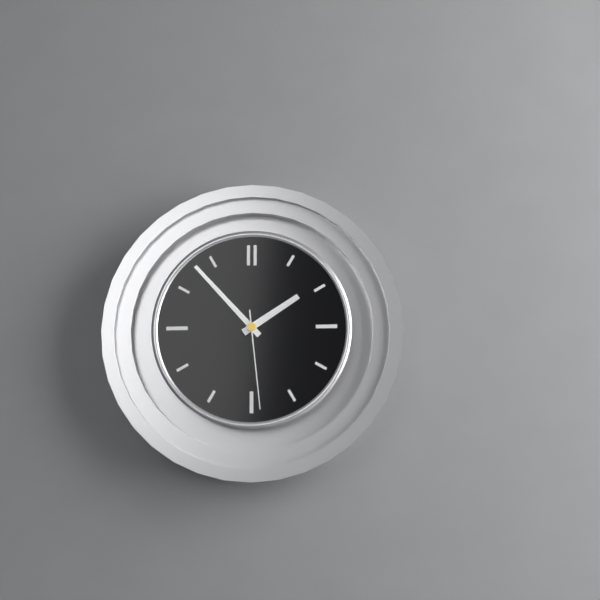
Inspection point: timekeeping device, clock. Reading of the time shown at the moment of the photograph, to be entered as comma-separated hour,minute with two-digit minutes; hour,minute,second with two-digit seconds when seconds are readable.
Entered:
1,53,29
